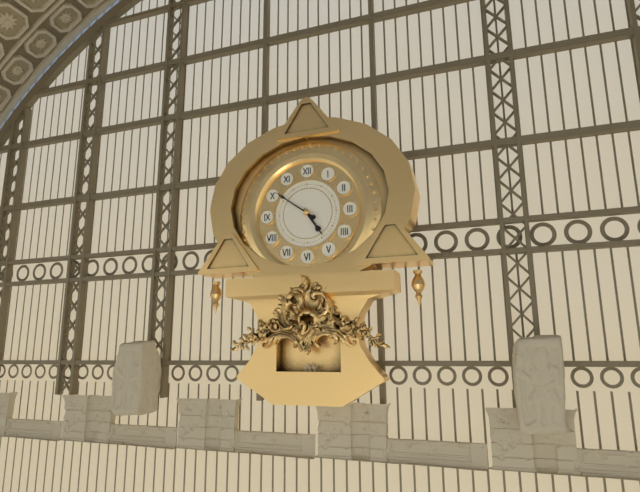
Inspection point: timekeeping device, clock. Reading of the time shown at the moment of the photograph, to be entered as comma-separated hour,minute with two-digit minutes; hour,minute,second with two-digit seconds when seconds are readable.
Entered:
4,51
